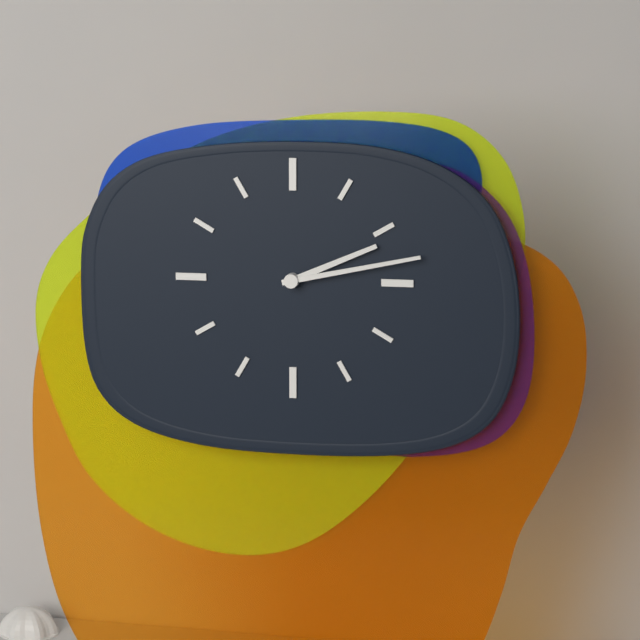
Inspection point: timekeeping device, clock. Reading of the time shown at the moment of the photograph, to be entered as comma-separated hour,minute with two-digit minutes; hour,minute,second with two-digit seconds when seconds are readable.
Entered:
2,13
